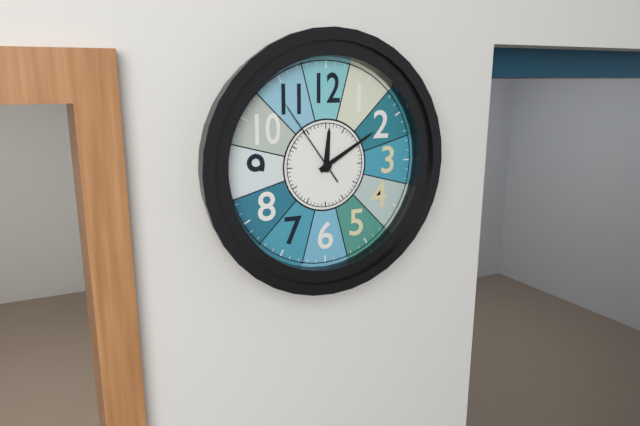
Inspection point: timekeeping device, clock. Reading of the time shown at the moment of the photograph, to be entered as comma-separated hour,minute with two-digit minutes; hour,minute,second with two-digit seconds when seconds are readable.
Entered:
12,10,54
